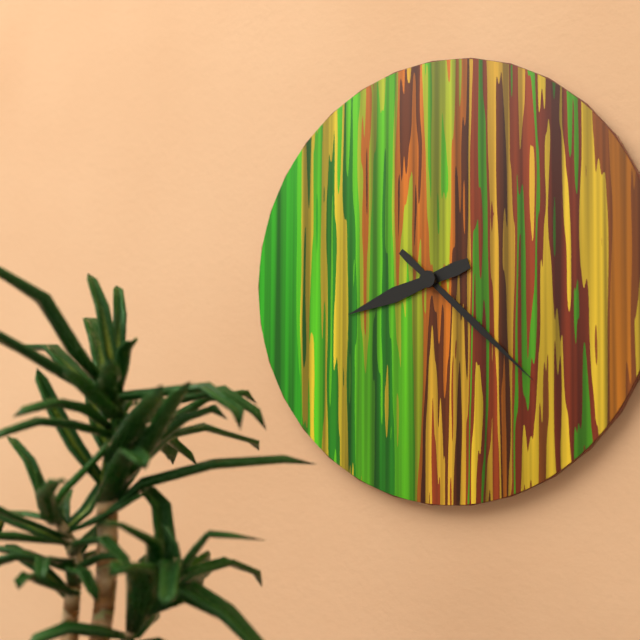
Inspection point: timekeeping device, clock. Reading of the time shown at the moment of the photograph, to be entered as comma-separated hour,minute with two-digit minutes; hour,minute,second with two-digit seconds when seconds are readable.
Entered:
8,22
